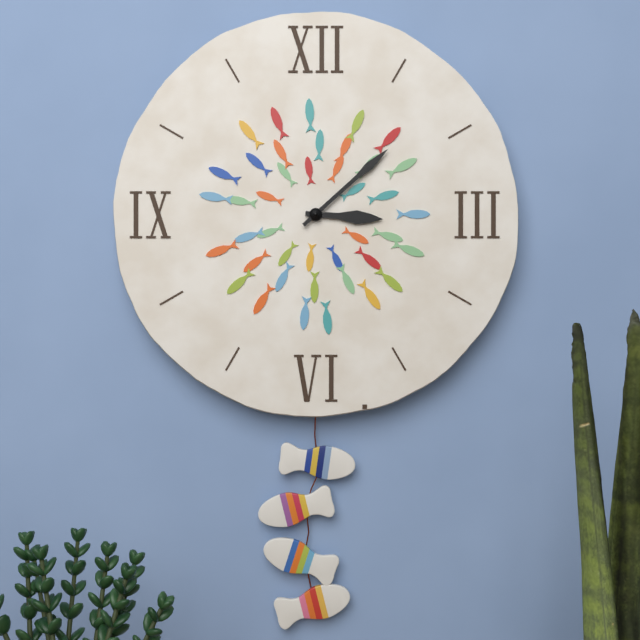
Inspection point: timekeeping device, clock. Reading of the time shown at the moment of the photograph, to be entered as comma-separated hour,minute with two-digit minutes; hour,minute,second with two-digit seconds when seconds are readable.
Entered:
3,08
